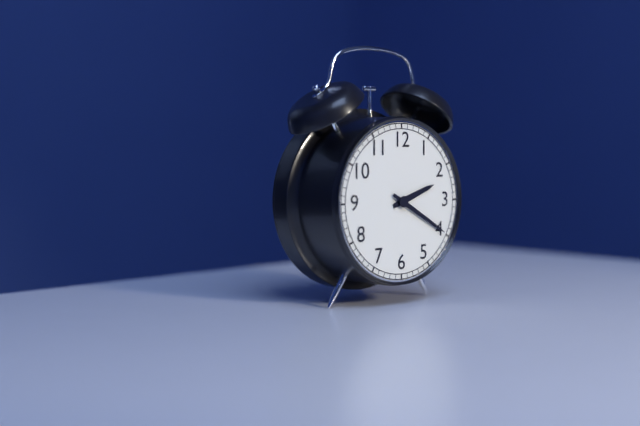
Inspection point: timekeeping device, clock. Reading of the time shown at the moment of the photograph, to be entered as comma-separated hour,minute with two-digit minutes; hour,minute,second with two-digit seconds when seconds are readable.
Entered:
2,20
